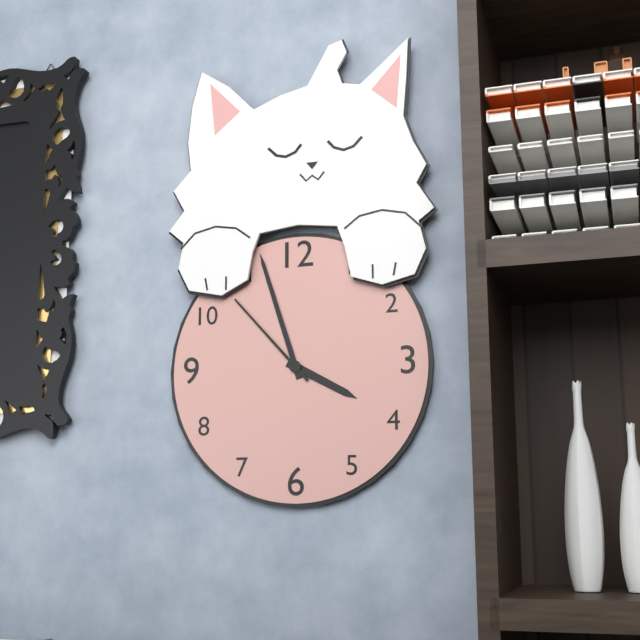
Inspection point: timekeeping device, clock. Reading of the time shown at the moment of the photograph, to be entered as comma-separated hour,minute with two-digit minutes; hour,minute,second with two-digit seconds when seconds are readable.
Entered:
3,57,53
